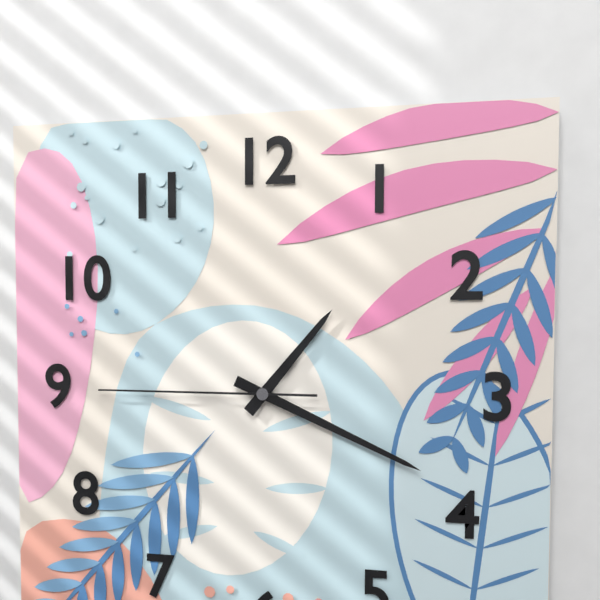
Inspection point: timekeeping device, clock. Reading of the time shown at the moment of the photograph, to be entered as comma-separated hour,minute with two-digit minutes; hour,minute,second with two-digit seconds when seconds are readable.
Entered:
1,19,45
